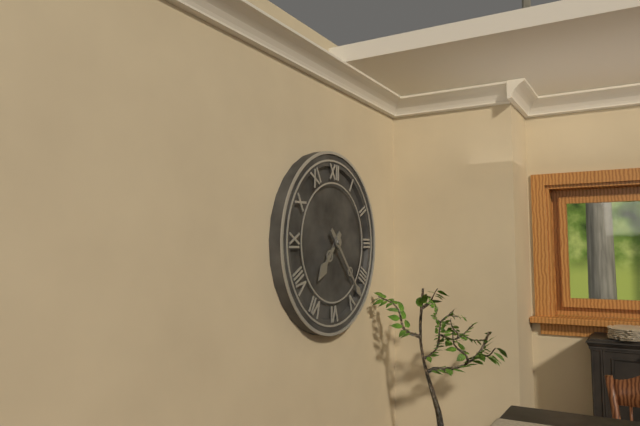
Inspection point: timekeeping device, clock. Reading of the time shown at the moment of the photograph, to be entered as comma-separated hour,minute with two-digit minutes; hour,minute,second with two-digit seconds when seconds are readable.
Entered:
7,23
